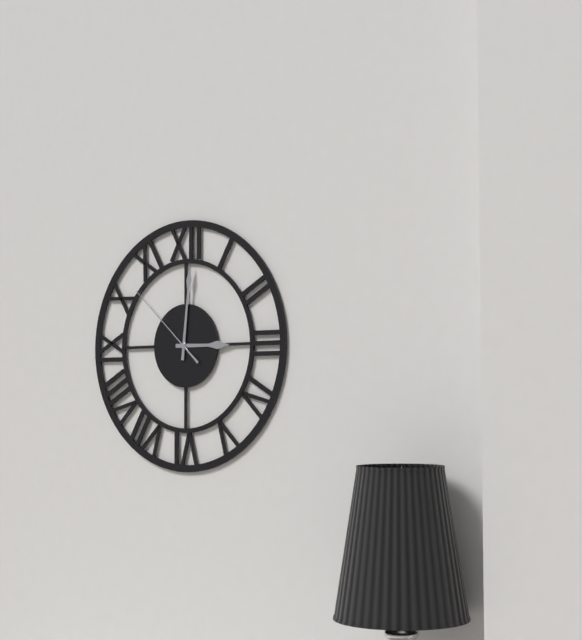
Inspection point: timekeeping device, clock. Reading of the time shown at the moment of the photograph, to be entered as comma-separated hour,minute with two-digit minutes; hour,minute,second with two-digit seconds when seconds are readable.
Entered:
3,01,52
